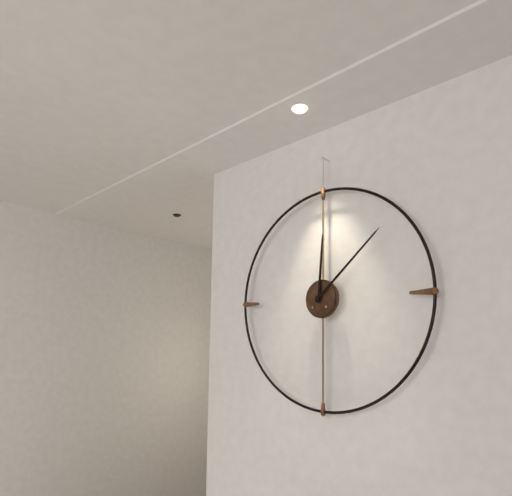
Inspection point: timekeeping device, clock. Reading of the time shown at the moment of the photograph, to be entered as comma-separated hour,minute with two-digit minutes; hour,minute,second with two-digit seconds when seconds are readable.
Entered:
12,08
